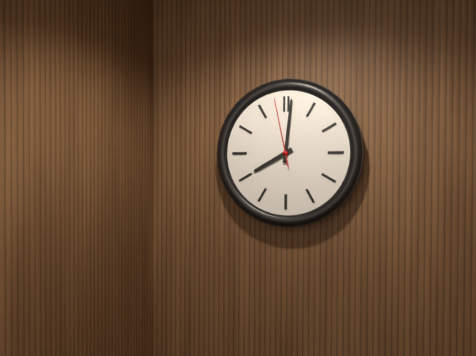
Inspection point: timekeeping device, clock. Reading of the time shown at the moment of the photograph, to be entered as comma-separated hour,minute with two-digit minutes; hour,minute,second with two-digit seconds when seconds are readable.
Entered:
8,01,58
